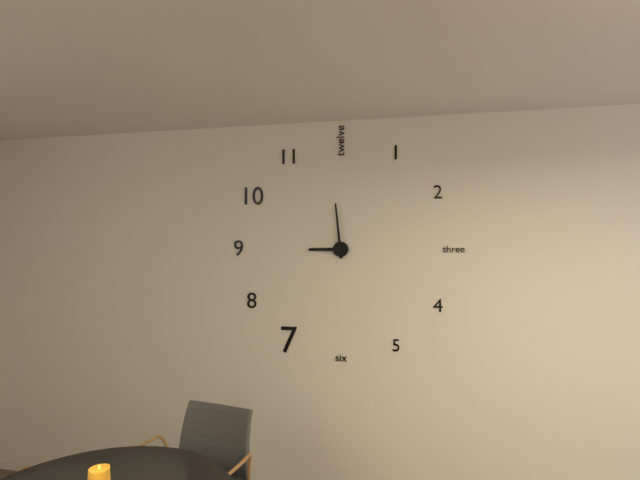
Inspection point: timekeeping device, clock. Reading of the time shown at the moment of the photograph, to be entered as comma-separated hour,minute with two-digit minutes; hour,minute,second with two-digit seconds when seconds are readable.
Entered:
8,59
